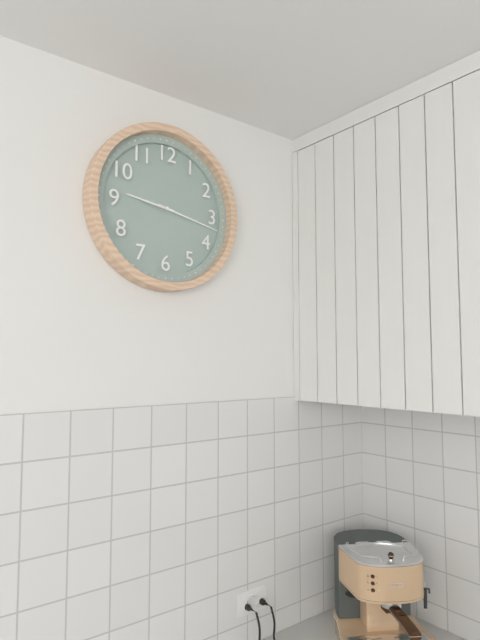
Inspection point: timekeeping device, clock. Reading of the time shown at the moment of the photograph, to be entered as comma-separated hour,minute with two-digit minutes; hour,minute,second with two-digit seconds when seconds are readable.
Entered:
9,17
